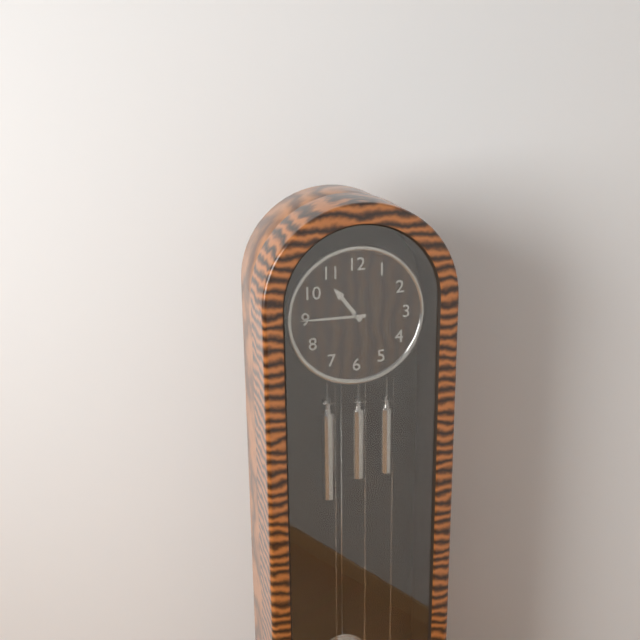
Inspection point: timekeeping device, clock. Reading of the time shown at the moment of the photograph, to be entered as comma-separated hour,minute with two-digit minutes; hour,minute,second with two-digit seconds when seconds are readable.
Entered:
10,45
